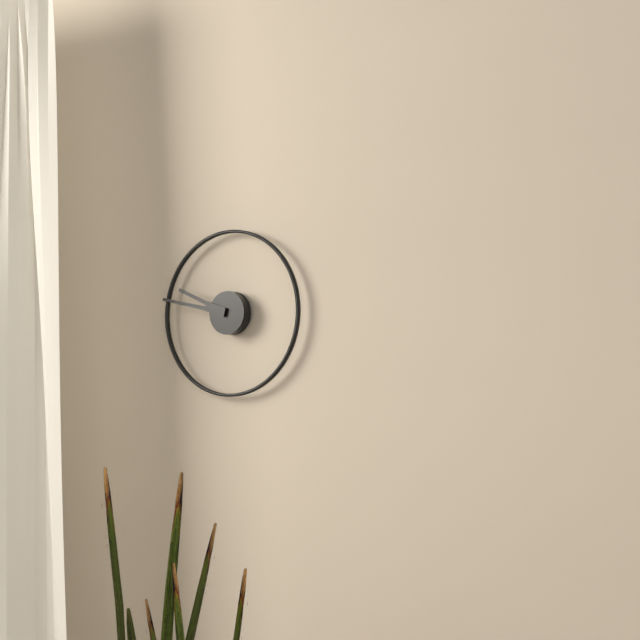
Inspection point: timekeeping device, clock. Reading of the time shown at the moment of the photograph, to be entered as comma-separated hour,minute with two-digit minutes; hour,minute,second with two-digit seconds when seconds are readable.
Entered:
9,47
